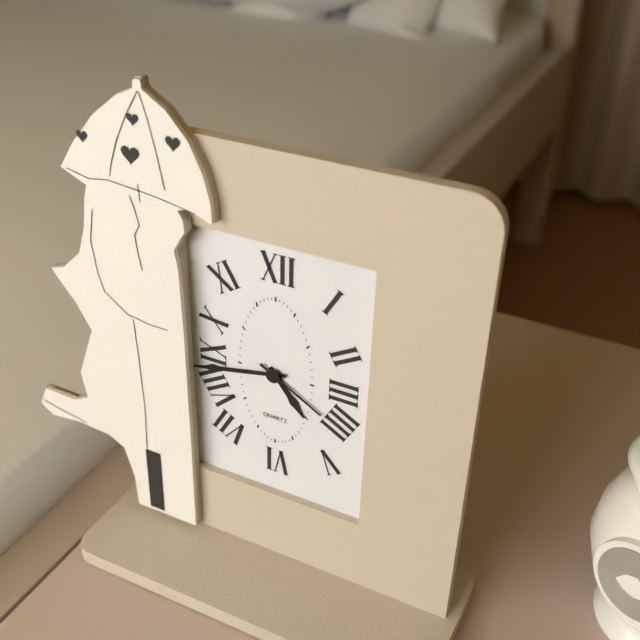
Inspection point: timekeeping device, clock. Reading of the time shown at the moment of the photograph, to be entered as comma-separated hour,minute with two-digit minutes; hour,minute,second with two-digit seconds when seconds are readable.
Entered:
4,43,20
